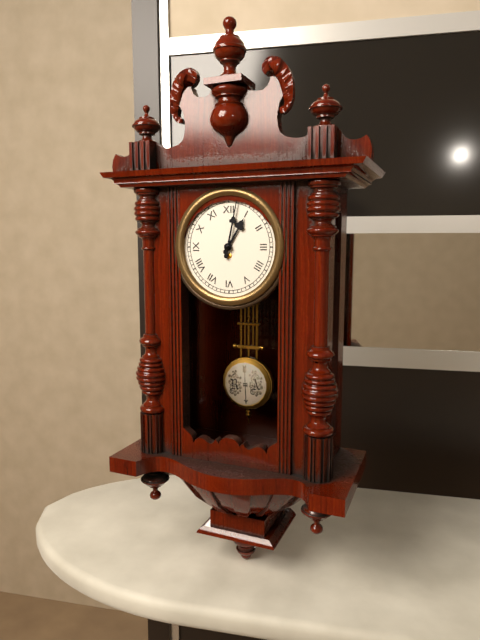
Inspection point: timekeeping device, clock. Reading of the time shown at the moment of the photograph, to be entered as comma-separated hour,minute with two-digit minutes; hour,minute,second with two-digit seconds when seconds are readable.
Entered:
1,02
